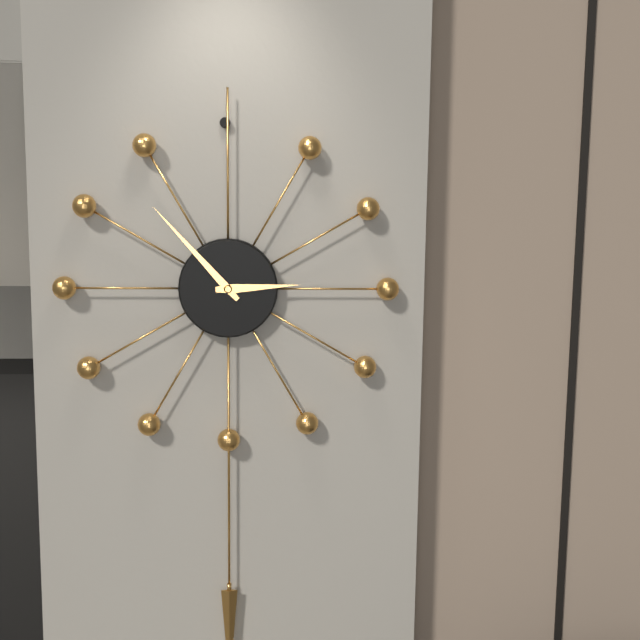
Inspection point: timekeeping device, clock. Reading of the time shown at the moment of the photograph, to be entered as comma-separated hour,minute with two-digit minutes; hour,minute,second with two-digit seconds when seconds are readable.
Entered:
2,53
